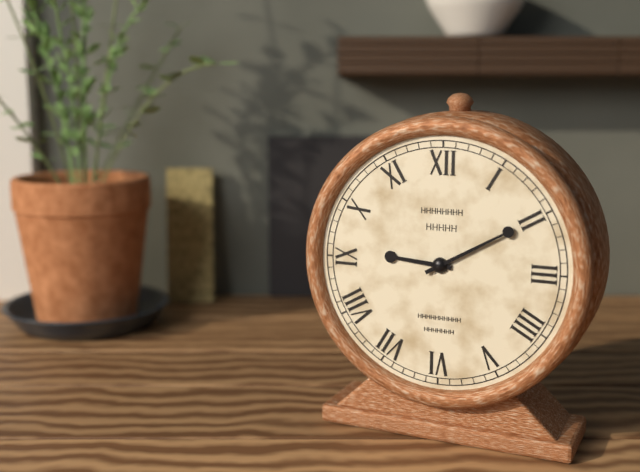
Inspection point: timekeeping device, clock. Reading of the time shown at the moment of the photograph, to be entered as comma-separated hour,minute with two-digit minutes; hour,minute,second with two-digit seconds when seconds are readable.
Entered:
9,10
